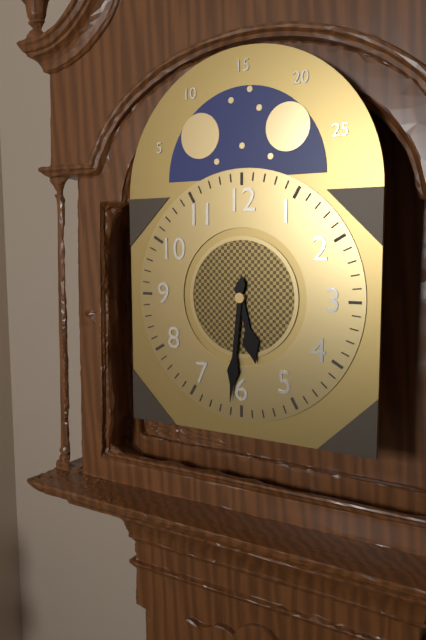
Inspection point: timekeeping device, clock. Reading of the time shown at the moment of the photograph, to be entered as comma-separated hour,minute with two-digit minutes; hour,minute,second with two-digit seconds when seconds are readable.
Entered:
5,31
